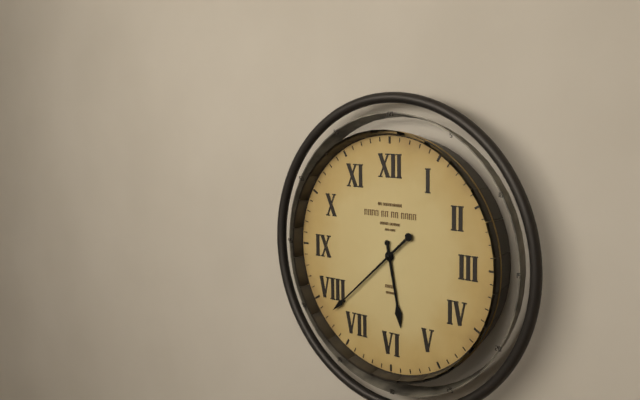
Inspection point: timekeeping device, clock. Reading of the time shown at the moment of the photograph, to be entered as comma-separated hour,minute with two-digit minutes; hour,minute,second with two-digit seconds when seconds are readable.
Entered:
5,38
